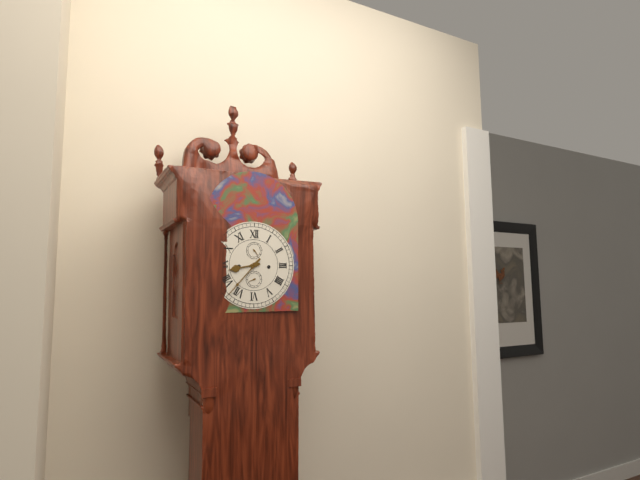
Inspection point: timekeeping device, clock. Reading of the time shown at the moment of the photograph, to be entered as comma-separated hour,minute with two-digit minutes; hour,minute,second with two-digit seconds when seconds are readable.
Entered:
8,37
